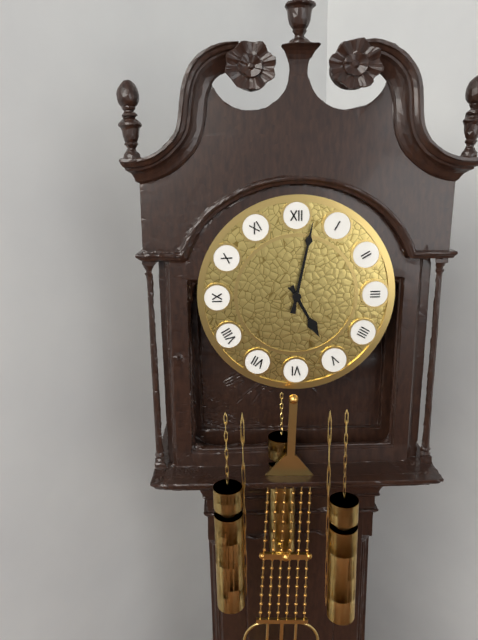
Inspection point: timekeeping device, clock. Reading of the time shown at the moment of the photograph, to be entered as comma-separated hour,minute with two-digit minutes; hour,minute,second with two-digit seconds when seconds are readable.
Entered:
5,02
